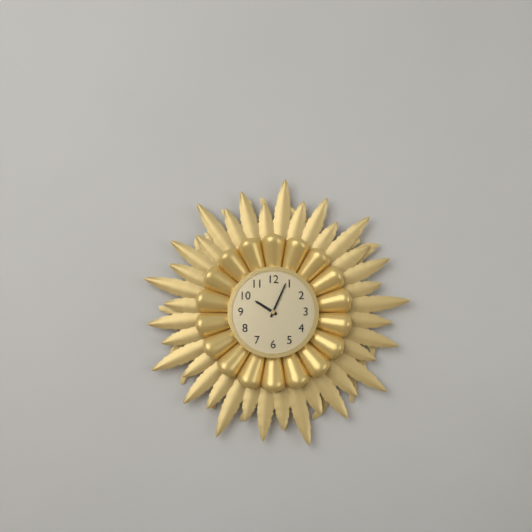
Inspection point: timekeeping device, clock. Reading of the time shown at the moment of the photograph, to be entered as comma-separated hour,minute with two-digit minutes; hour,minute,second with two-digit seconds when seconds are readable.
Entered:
10,04
